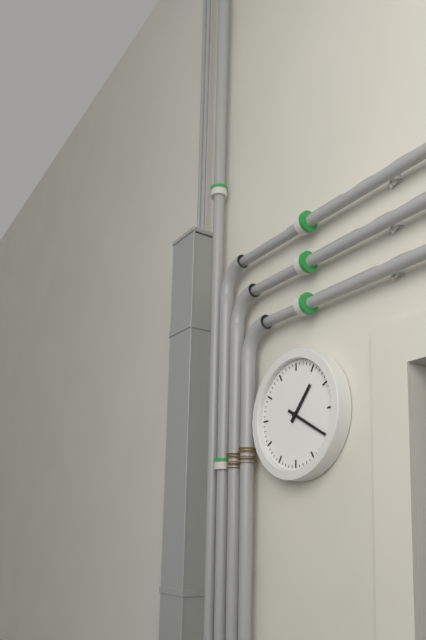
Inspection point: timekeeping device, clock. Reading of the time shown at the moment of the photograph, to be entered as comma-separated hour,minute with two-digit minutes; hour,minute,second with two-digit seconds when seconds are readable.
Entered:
1,20
